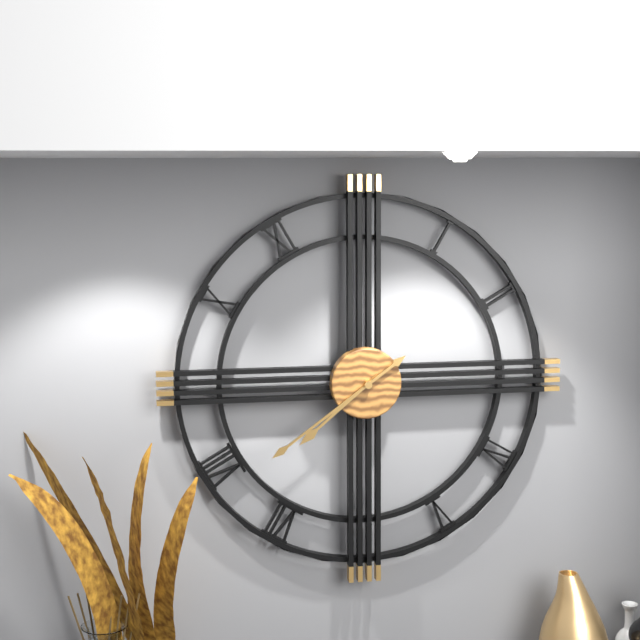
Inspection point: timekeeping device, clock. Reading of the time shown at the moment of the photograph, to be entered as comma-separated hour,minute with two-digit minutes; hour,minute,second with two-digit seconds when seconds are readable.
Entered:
7,39
